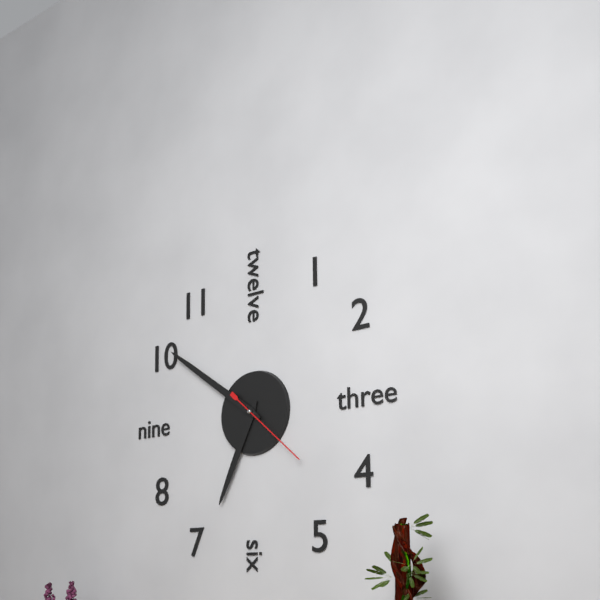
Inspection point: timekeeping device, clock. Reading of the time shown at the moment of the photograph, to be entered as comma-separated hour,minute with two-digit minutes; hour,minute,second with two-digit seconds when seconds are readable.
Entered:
6,51,22
